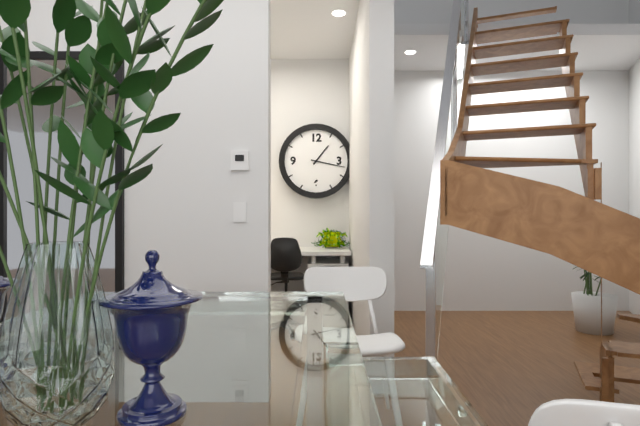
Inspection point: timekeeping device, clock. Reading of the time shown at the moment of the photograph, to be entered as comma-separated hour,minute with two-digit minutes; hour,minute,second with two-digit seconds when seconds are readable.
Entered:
1,17
